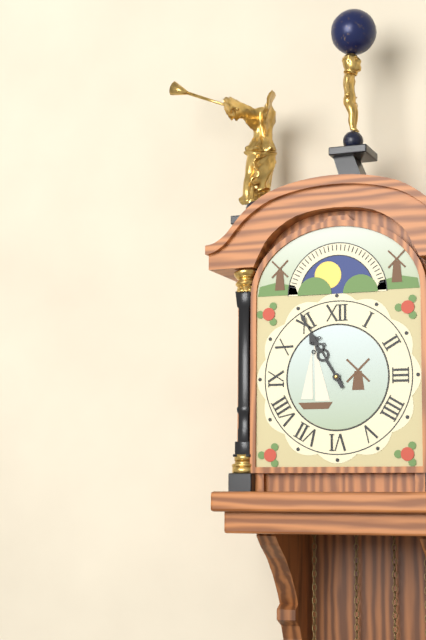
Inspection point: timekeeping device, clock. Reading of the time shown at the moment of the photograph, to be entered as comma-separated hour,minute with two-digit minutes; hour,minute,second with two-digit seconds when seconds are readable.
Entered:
10,55
